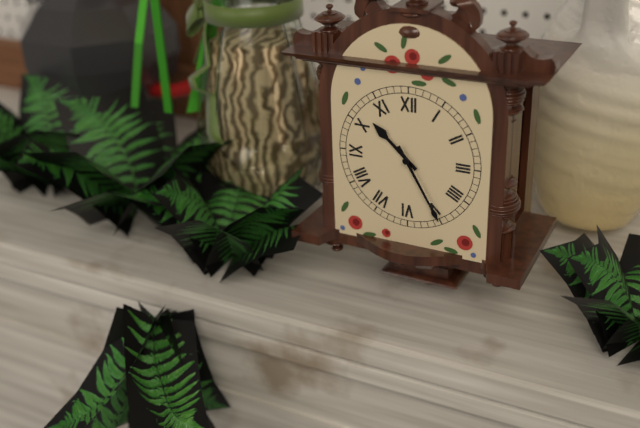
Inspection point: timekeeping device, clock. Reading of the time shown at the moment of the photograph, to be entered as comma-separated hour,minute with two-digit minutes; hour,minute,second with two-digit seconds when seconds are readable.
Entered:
10,25
